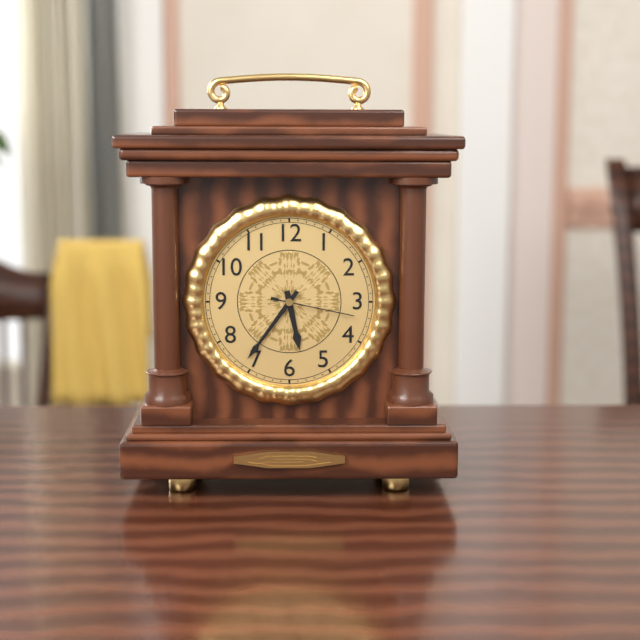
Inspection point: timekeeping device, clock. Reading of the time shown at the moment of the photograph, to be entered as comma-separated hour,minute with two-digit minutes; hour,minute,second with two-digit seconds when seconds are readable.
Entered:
5,36,17
